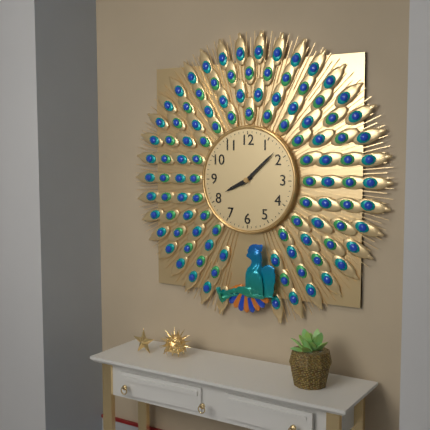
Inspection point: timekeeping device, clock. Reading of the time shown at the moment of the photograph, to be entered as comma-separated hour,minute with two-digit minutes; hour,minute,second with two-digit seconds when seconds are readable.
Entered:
8,08
